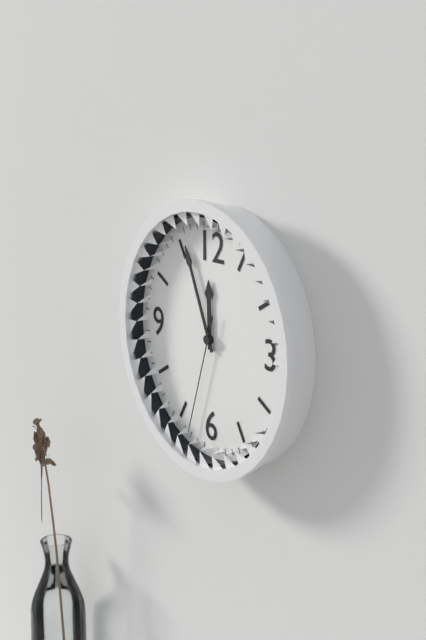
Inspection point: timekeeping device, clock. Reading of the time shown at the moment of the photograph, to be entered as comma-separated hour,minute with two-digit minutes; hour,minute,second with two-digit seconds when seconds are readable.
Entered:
11,56,33
